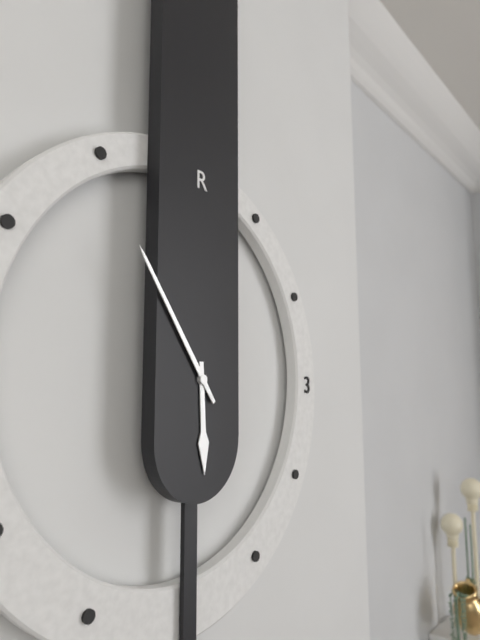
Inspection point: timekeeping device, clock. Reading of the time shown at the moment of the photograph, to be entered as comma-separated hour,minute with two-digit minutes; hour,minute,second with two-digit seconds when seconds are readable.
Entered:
5,54
